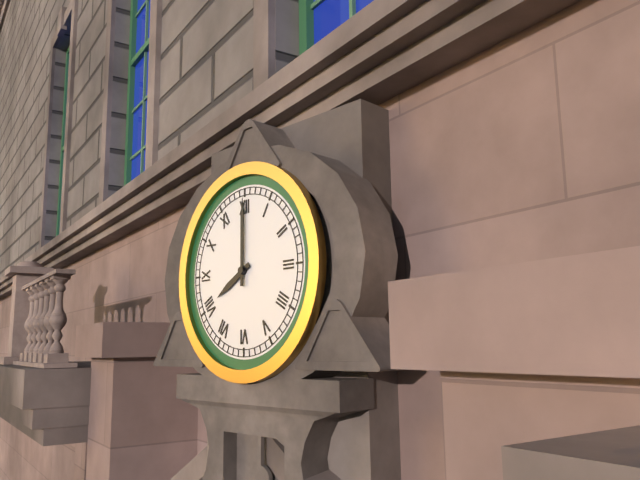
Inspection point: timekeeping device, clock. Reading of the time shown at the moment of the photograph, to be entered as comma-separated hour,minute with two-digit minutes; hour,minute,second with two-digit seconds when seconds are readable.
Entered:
8,00
